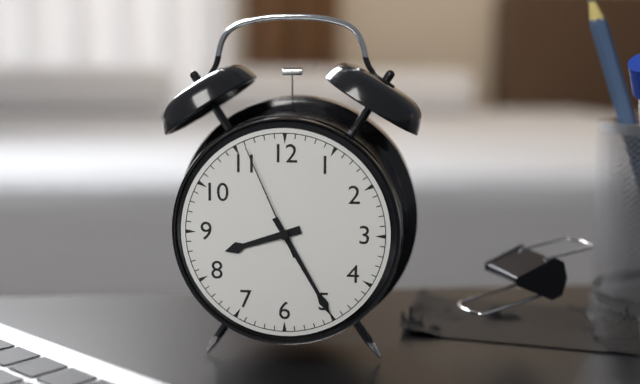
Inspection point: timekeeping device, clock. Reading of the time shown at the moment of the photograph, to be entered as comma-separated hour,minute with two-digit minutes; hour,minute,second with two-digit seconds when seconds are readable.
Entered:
8,25,56
